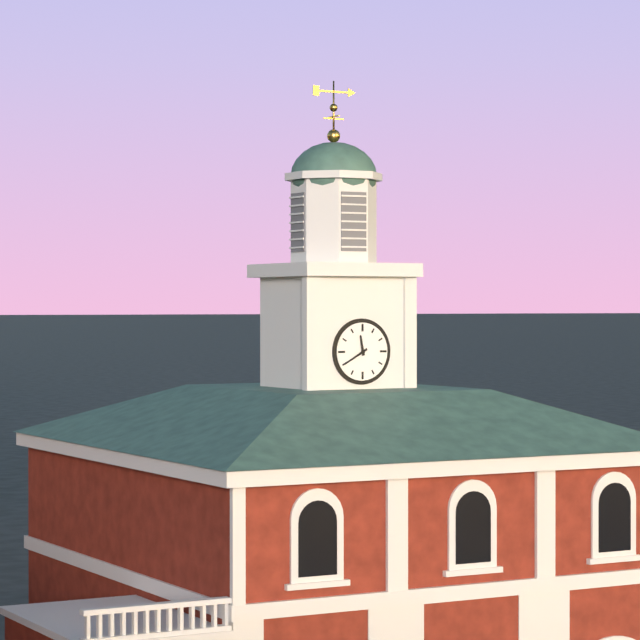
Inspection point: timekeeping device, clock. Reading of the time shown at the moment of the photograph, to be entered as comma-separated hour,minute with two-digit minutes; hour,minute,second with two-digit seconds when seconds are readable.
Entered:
11,40
